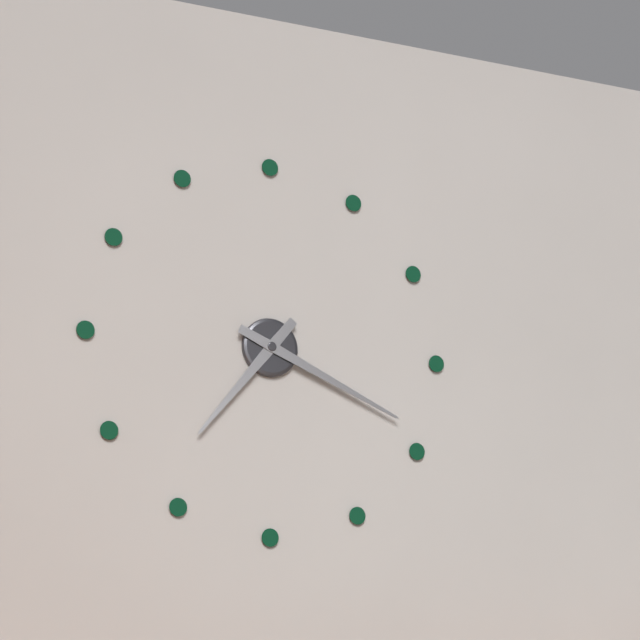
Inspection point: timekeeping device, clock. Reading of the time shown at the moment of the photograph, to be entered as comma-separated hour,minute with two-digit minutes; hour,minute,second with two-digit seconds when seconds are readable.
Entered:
7,19
